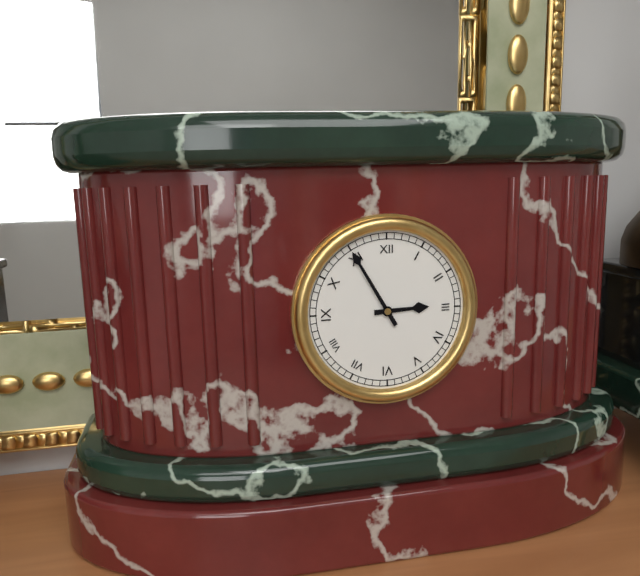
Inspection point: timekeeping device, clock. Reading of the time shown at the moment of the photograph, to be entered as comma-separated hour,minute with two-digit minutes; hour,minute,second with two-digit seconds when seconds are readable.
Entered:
2,55
